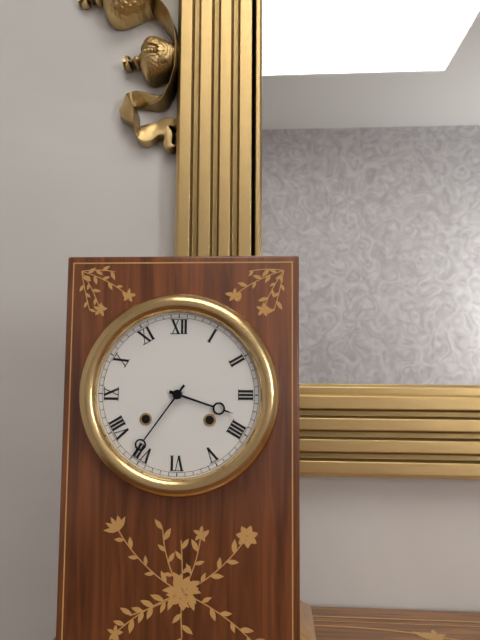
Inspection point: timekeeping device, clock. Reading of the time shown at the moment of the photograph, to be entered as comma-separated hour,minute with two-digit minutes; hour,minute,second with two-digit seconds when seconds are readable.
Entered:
3,36
